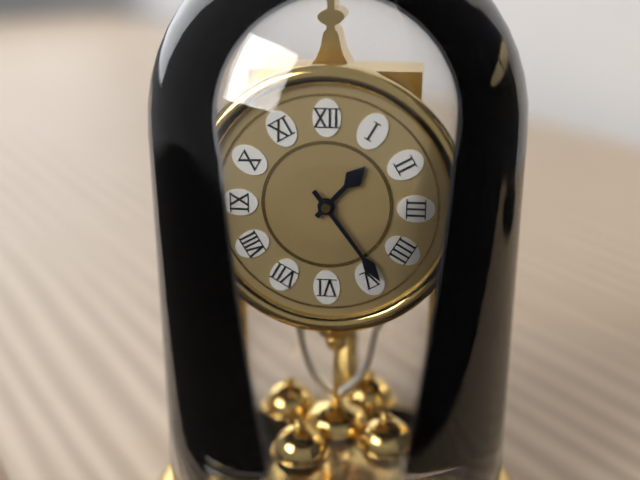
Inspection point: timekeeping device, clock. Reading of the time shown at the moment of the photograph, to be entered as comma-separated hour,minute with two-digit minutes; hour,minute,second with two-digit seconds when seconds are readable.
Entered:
1,24
